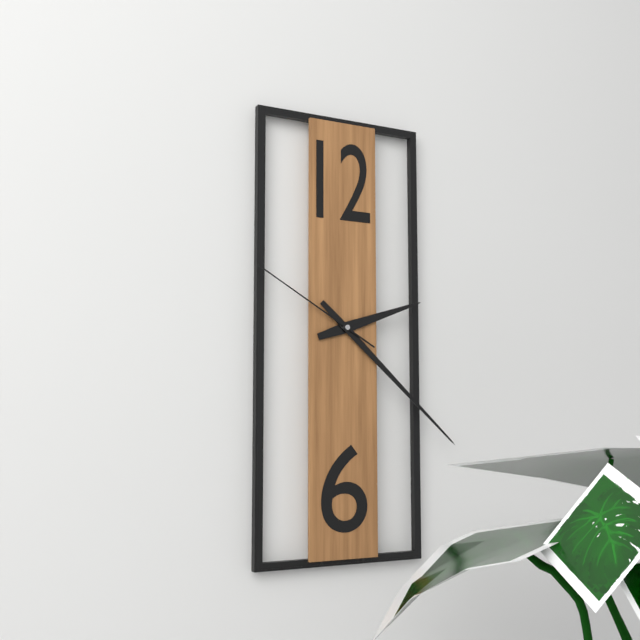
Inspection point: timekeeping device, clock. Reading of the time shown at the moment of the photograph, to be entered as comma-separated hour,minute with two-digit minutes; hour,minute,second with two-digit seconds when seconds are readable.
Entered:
2,22,50
